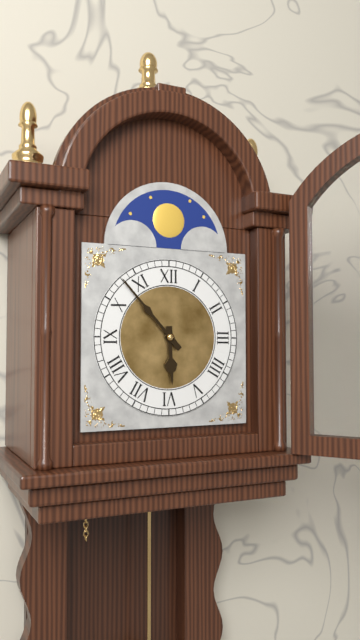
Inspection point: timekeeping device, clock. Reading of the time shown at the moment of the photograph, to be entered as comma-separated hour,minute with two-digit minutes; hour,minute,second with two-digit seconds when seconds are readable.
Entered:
5,53
